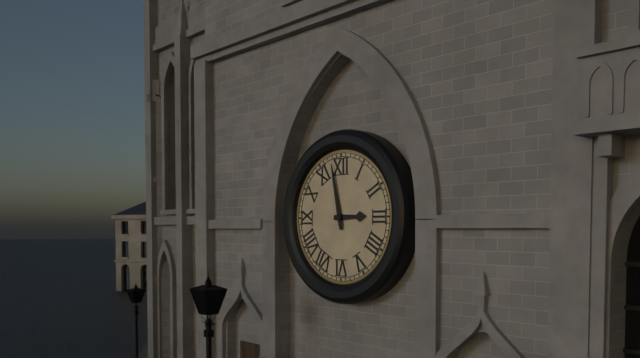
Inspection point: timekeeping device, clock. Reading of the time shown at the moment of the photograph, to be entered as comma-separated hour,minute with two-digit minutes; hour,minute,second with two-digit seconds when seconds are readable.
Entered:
2,58
